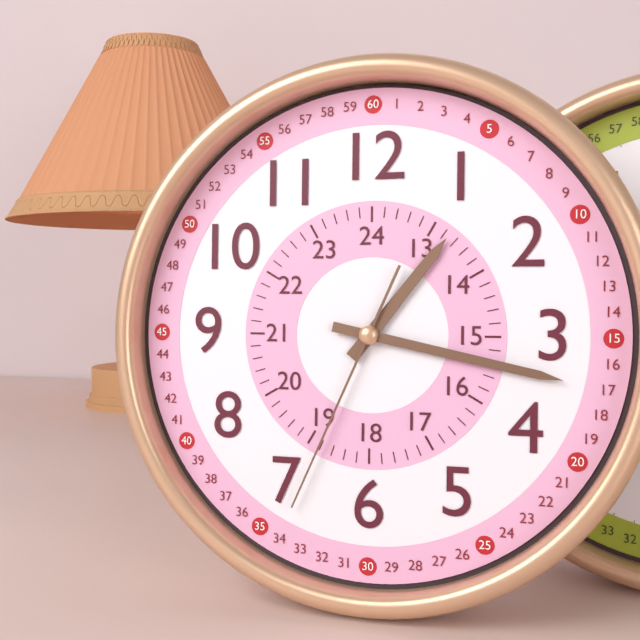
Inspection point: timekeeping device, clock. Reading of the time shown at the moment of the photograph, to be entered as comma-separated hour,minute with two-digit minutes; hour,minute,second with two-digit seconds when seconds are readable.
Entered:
1,17,34
